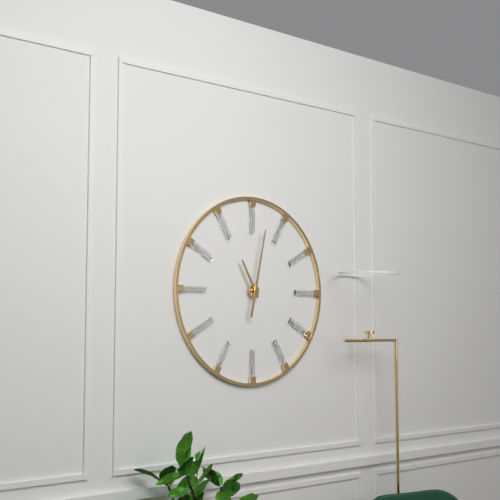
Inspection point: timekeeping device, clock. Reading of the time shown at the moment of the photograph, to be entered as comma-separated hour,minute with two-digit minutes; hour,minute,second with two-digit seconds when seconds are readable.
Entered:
11,02
